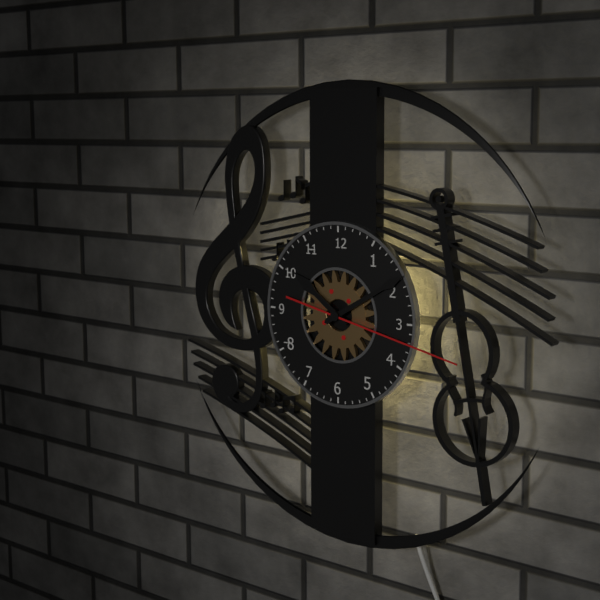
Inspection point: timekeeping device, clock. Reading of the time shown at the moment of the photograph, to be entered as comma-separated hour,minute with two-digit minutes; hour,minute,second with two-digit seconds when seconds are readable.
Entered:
10,10,17
